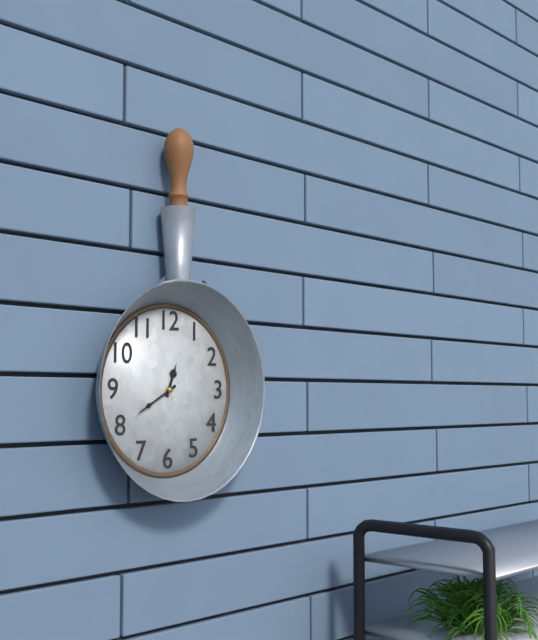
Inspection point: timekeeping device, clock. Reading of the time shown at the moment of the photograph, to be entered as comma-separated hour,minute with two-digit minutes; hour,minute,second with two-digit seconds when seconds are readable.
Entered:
12,40
